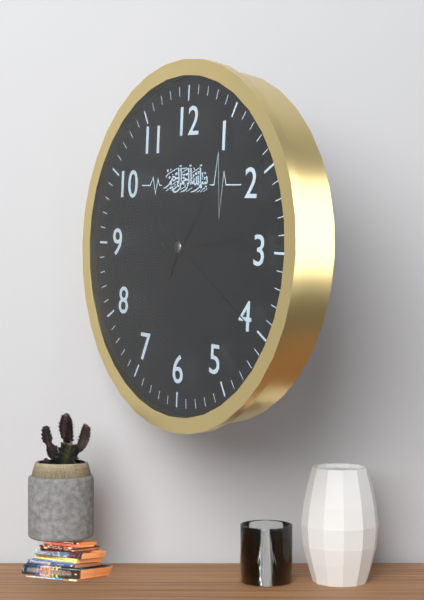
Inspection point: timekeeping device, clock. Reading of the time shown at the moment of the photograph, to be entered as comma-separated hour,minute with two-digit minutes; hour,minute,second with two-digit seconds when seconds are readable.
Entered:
1,14,20
